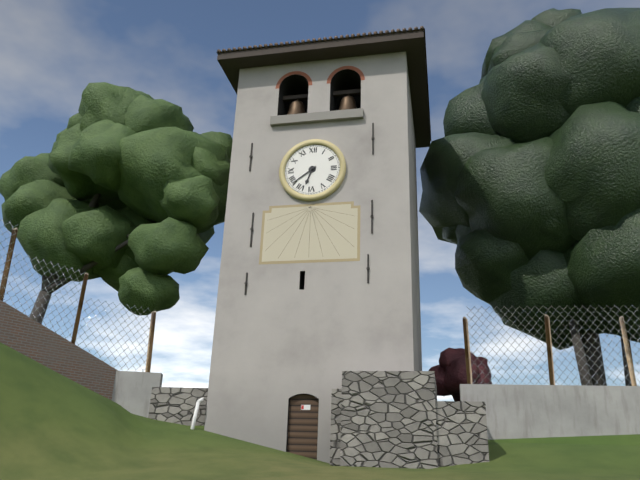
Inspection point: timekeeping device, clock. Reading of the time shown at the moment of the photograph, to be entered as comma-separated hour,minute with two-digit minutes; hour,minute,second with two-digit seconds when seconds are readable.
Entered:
6,39
